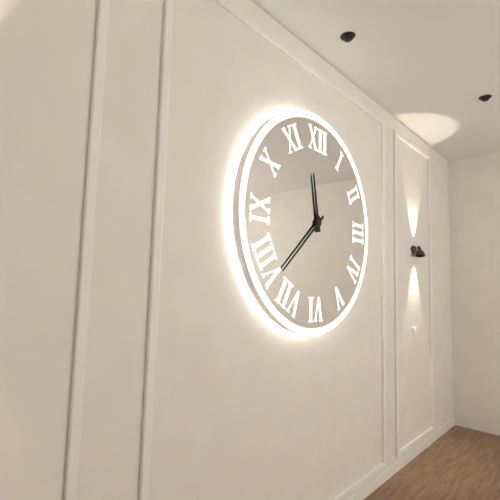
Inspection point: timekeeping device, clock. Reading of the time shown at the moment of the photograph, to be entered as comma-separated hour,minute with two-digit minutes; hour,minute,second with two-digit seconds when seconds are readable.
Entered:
11,38
